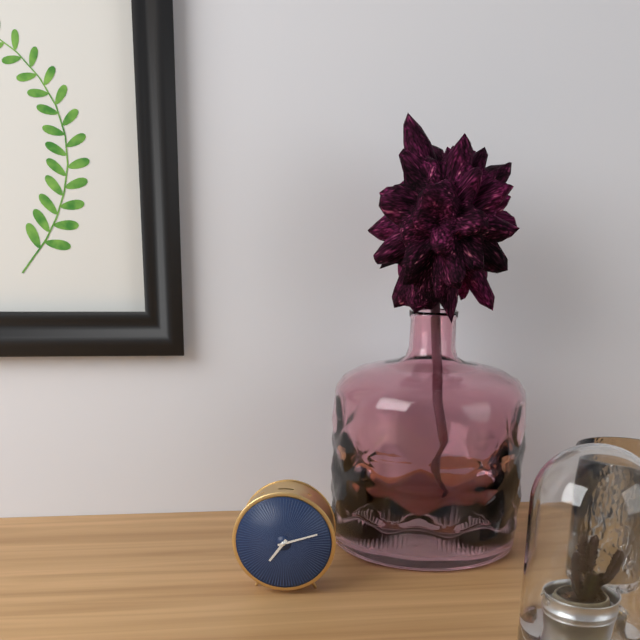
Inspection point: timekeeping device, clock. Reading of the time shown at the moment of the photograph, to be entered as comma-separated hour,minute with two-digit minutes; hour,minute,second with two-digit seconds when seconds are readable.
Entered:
7,12
